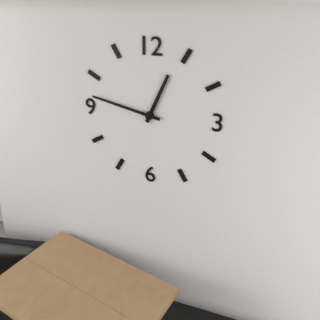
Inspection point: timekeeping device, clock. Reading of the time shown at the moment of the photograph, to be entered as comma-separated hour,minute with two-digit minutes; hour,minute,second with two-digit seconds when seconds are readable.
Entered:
12,47
